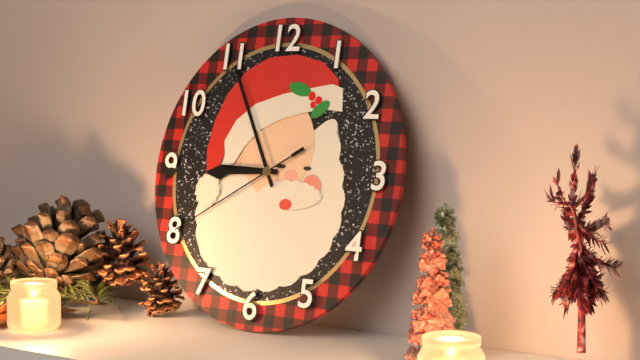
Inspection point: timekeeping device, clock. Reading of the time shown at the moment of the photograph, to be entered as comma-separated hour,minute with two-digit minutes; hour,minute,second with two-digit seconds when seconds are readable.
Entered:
8,55,40
